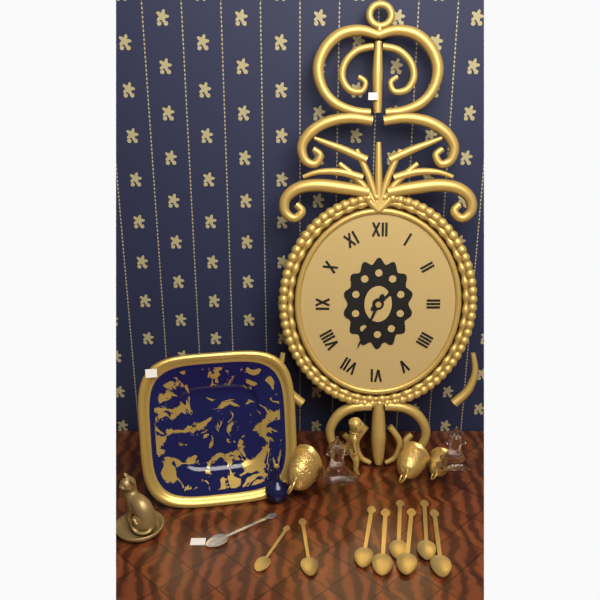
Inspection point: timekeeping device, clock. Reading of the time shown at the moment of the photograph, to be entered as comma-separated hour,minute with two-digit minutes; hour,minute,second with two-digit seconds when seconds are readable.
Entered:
1,34
